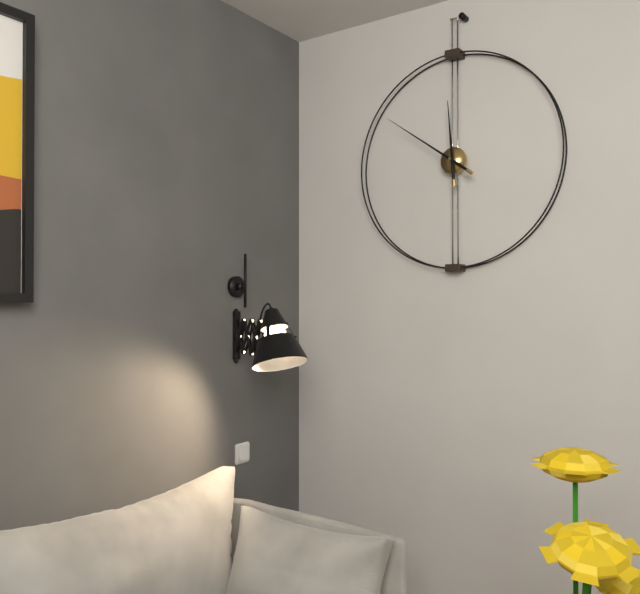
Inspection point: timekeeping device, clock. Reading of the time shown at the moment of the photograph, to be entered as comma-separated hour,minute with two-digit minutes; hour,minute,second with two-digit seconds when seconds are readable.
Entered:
11,51
